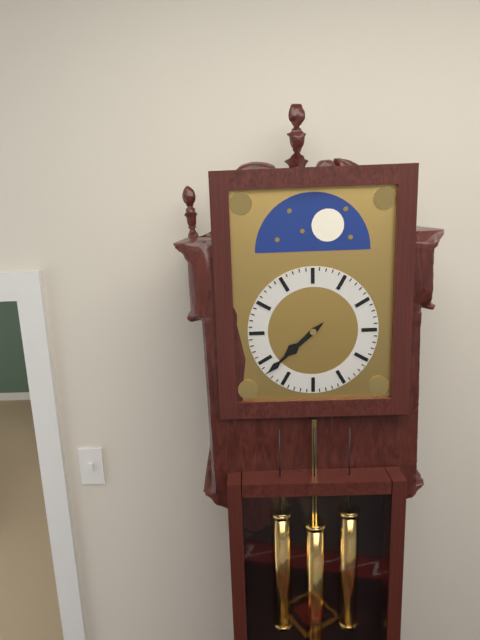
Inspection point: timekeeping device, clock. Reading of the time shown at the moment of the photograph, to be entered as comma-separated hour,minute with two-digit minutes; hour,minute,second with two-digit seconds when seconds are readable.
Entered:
7,38
